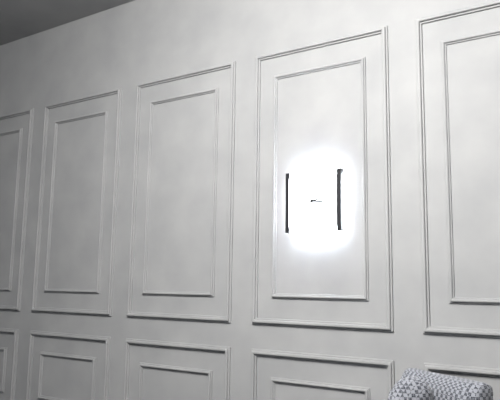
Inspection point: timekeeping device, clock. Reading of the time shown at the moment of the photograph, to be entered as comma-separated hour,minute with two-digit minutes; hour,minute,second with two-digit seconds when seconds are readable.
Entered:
3,13
